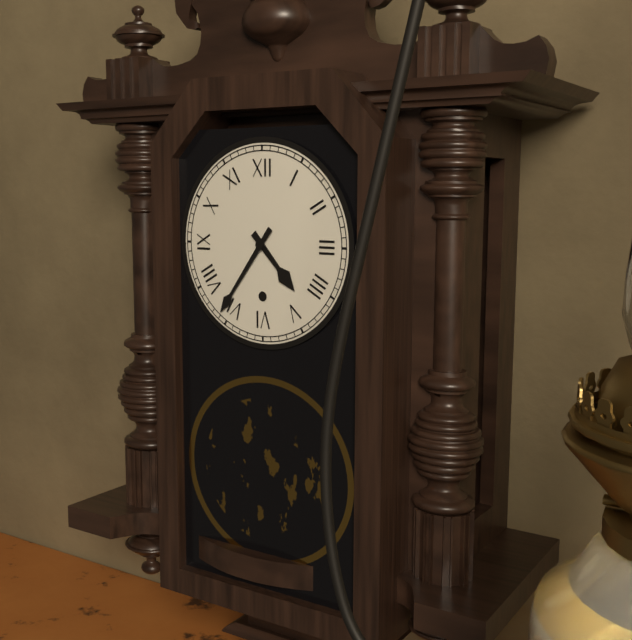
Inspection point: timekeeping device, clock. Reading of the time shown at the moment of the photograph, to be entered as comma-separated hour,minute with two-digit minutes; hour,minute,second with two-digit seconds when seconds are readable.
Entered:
4,36
